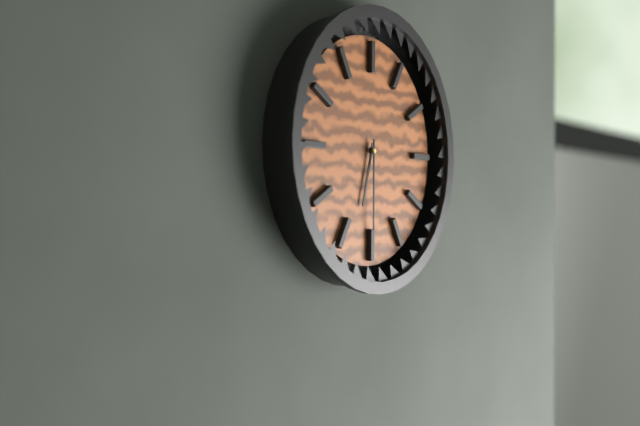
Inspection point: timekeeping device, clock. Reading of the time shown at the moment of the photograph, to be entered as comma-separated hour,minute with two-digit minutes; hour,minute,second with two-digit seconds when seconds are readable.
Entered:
6,30
